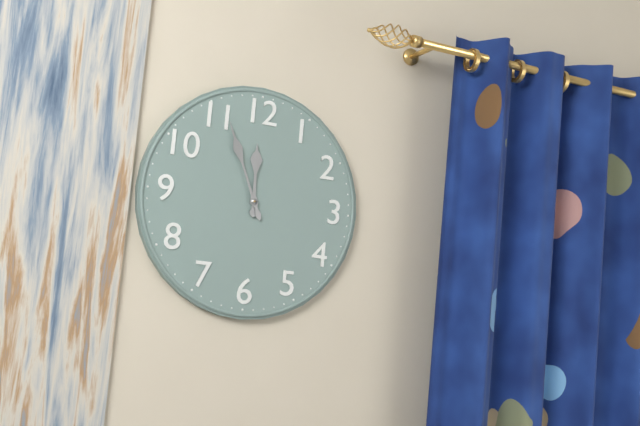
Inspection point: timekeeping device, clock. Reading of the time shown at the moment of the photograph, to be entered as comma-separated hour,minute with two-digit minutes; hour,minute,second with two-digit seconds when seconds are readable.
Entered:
11,56
